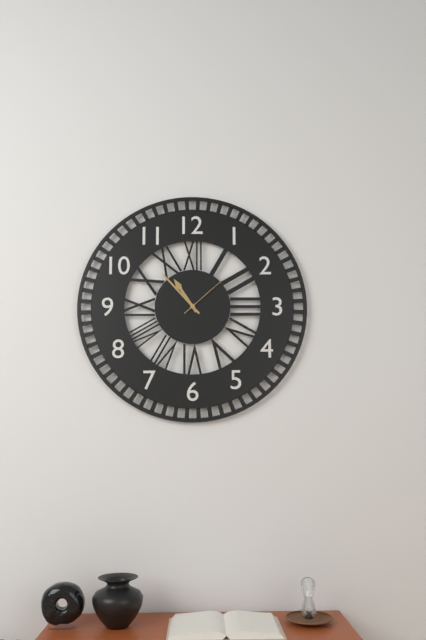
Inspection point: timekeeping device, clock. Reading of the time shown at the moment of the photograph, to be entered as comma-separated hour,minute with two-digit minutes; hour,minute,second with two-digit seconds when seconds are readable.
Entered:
10,53,08
